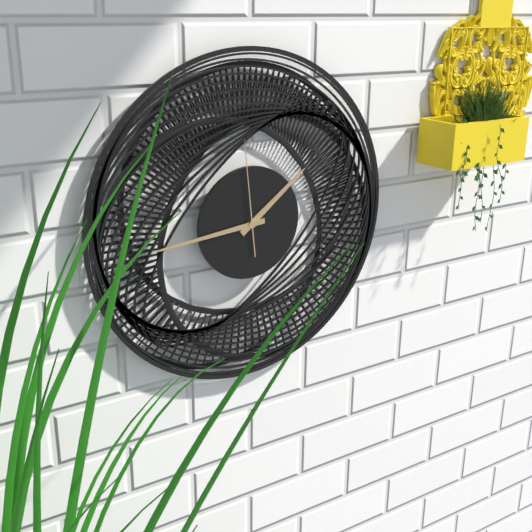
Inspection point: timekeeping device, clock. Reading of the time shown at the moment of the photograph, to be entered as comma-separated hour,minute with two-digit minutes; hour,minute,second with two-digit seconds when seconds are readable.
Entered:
1,44,59
